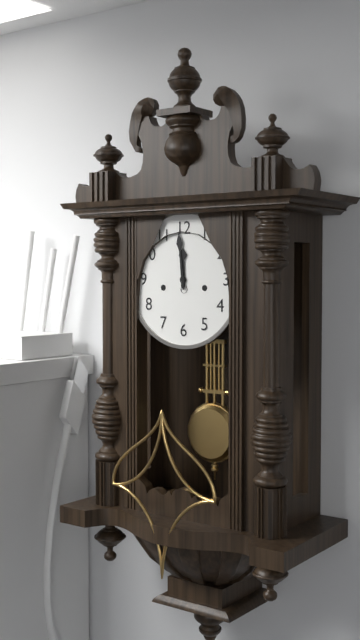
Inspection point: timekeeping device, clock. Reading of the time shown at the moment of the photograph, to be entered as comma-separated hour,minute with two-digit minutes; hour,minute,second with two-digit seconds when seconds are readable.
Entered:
11,59
